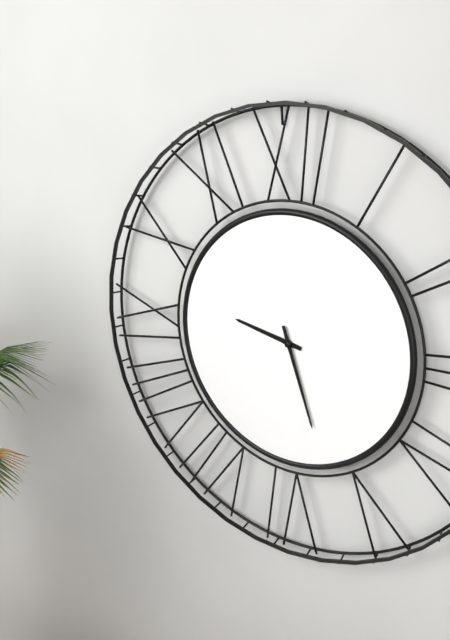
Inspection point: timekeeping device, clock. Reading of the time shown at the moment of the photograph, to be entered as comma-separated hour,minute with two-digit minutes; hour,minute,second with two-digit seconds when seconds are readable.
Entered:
9,27
